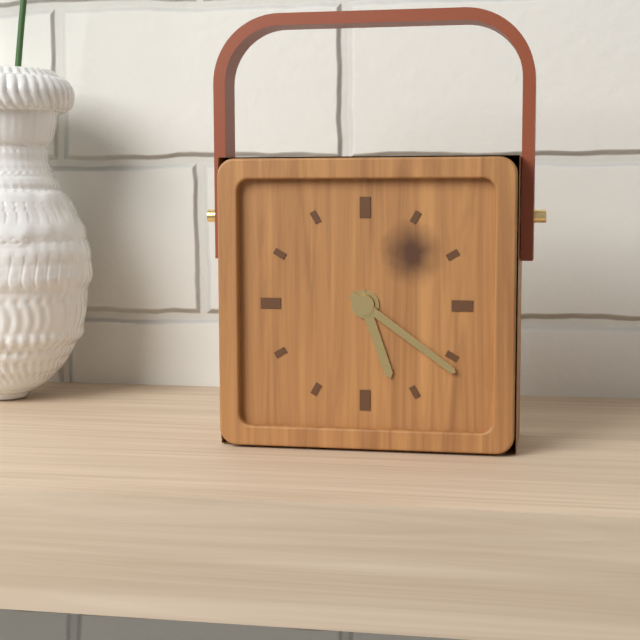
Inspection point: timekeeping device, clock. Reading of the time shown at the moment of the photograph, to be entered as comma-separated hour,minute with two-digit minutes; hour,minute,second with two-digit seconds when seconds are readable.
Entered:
5,21
